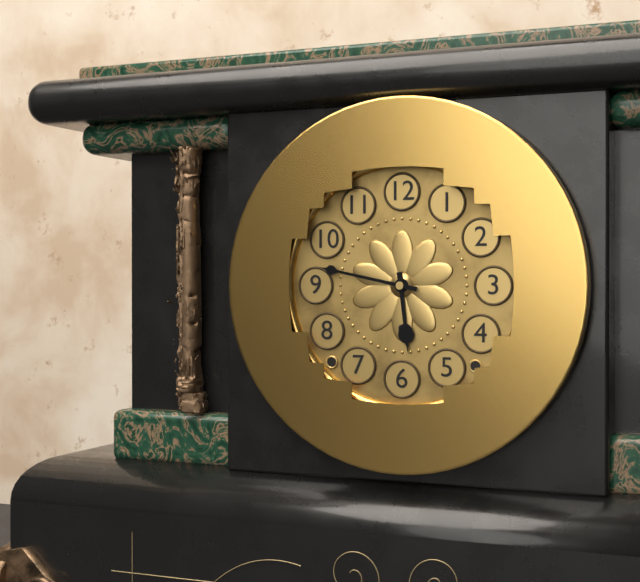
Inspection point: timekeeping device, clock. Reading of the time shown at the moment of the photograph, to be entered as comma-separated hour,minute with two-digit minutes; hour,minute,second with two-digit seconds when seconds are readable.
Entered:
5,47
